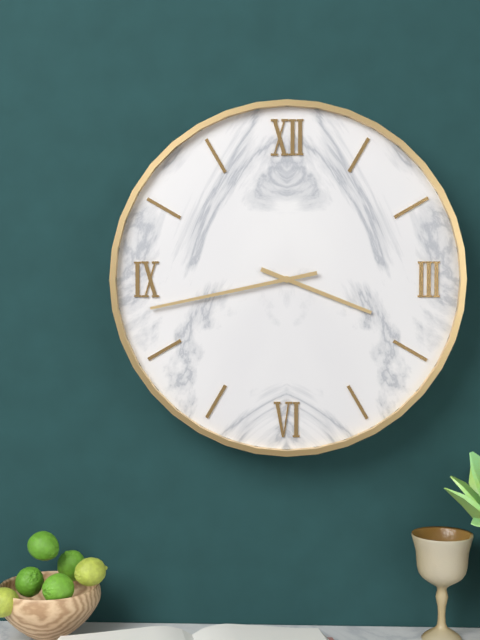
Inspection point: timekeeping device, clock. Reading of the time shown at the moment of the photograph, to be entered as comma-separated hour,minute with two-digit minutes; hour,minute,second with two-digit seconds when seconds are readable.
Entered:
3,43
